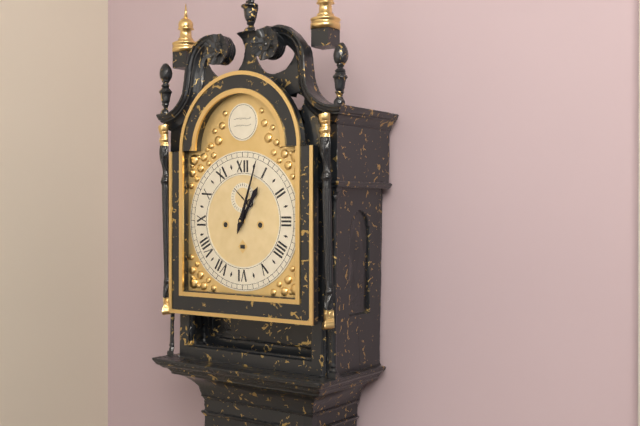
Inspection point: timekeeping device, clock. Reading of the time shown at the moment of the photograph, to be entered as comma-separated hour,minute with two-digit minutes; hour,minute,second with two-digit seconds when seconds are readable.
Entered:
1,03
